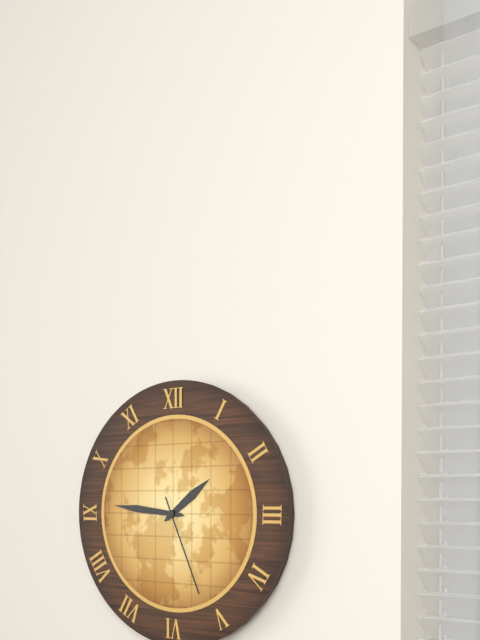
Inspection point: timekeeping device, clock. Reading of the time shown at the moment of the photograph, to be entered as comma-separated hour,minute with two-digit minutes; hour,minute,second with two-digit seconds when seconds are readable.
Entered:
1,46,26
